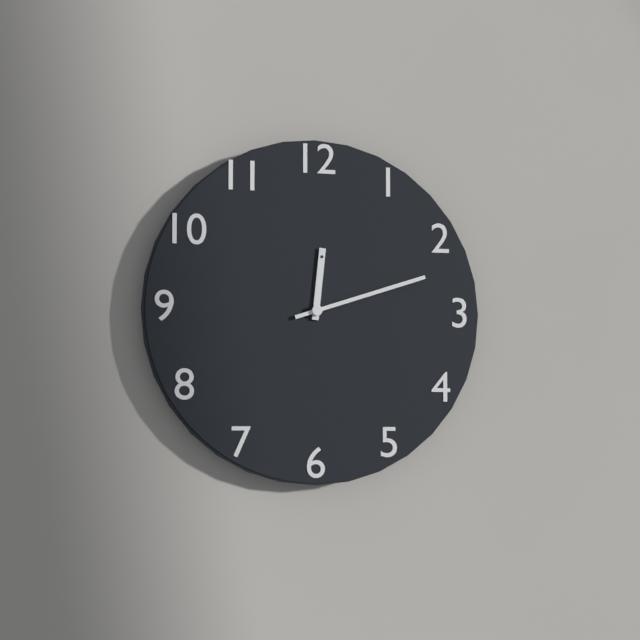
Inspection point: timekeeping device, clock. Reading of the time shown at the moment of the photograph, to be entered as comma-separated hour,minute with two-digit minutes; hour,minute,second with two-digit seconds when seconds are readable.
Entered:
12,12
